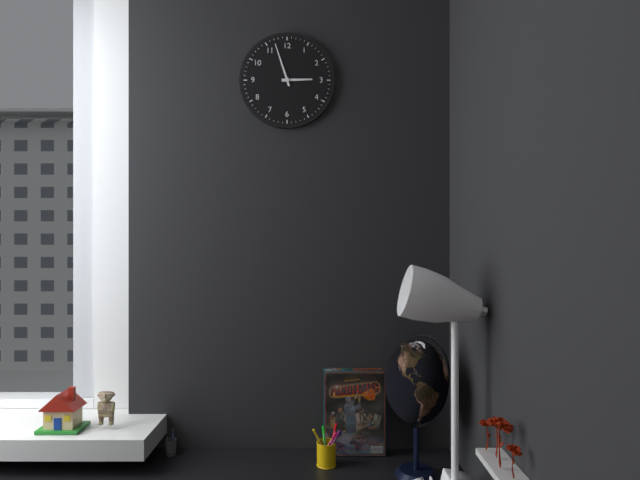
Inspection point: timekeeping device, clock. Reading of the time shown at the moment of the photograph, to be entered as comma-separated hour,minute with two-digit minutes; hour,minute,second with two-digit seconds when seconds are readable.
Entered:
2,57
